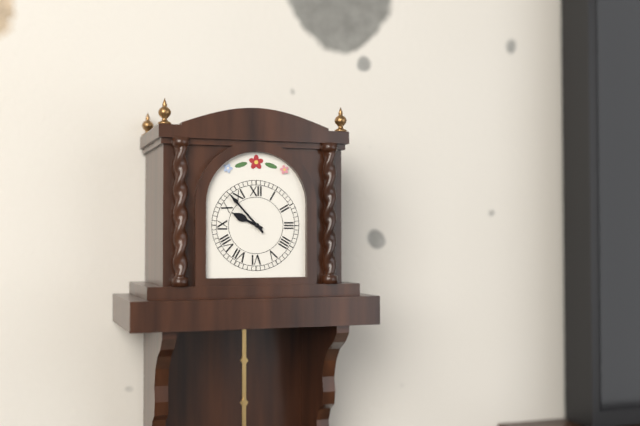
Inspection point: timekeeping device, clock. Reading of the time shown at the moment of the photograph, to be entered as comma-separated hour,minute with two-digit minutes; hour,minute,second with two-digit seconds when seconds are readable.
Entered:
9,53
